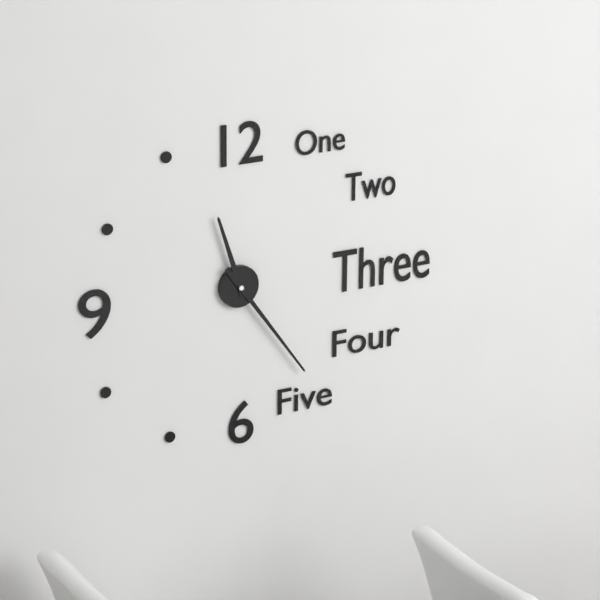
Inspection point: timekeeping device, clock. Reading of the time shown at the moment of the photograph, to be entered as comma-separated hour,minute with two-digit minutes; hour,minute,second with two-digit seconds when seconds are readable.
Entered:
11,24
